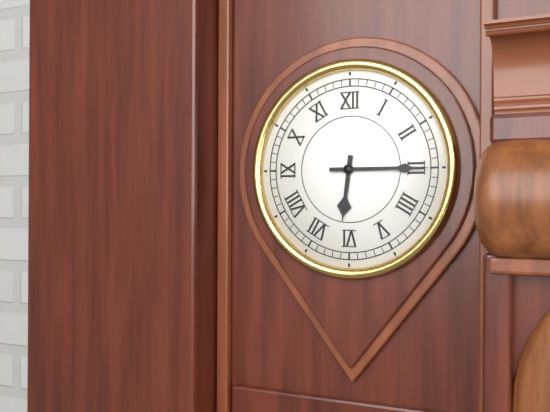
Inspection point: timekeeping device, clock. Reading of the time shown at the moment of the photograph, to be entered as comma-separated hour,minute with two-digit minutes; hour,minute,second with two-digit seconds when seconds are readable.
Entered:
6,15
